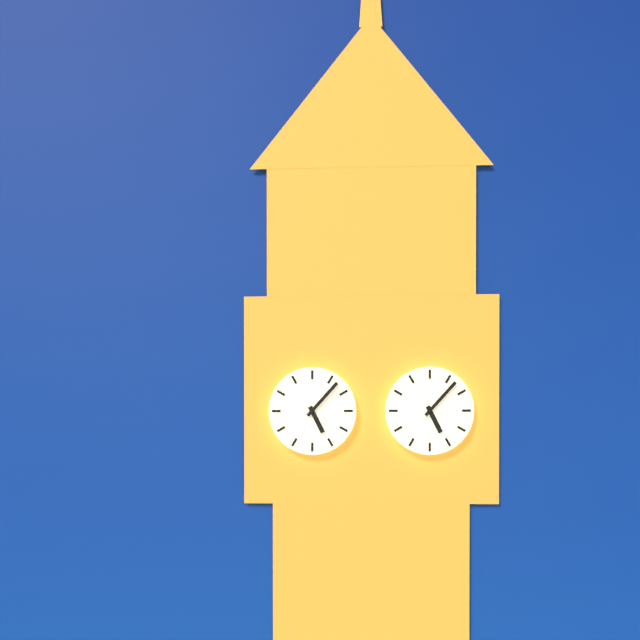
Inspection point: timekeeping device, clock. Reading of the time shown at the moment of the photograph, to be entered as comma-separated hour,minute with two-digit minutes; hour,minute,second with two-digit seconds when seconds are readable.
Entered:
5,07
